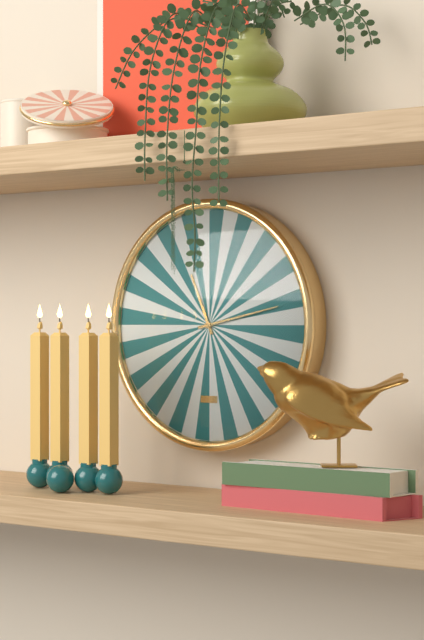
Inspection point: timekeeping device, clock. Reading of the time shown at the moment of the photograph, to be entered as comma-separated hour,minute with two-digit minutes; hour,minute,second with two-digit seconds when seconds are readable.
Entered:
11,13
